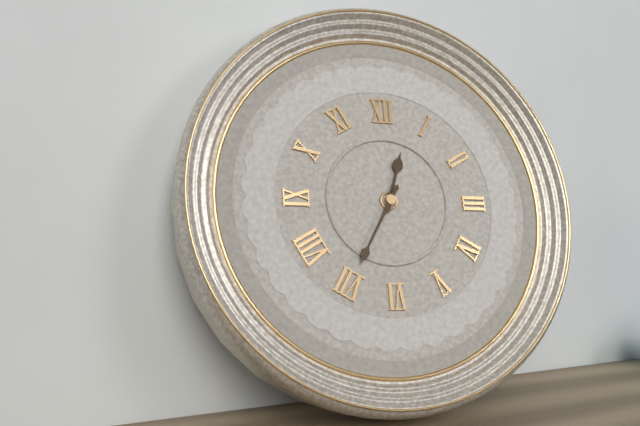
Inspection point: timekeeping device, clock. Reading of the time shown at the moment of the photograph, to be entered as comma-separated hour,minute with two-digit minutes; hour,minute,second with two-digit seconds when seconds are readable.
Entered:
12,35
